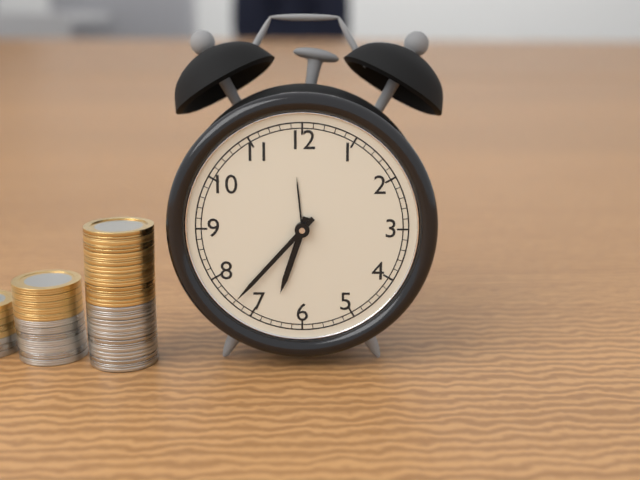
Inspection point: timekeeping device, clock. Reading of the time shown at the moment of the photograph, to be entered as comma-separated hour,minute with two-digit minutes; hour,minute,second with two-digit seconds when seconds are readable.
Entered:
6,37
